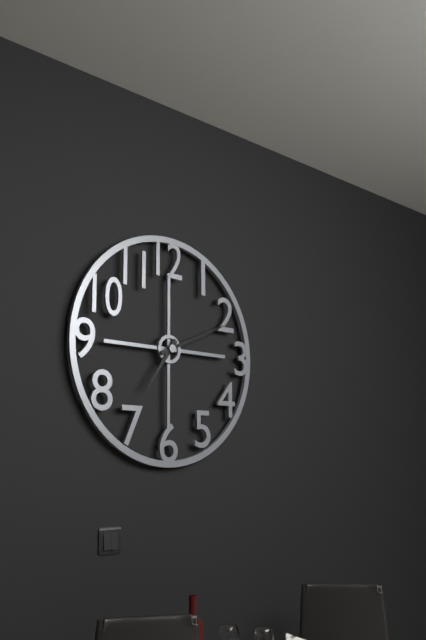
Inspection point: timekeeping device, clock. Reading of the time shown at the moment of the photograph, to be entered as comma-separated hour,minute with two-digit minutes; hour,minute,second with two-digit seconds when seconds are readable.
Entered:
7,11
